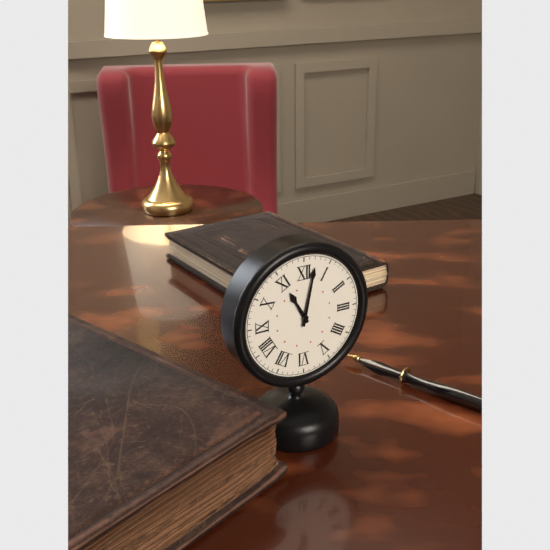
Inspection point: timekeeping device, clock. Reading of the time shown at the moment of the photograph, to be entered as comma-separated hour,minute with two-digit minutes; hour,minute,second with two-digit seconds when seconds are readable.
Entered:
11,02
